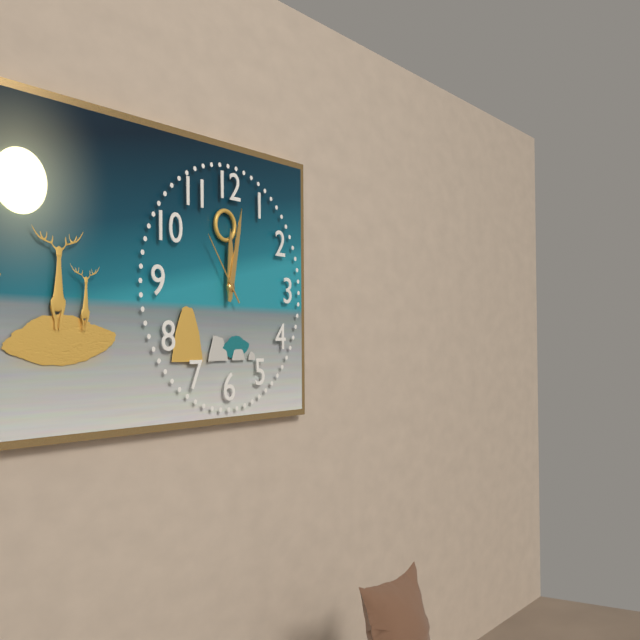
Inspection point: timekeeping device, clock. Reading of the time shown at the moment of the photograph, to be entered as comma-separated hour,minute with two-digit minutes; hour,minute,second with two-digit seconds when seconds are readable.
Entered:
12,02,54
